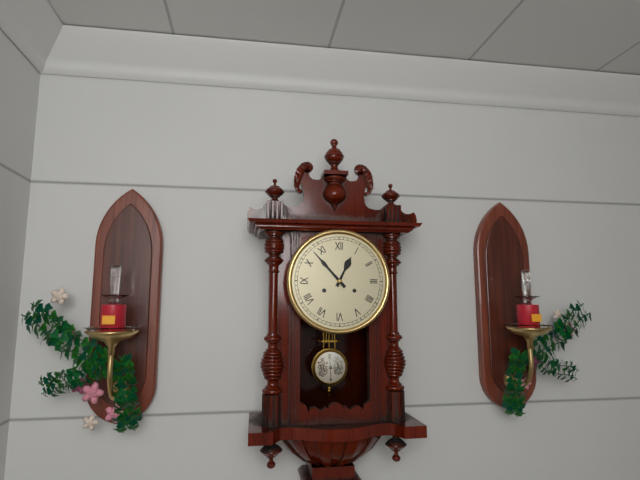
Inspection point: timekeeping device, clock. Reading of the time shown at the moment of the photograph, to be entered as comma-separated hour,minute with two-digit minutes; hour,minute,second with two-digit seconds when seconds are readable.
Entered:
12,53
